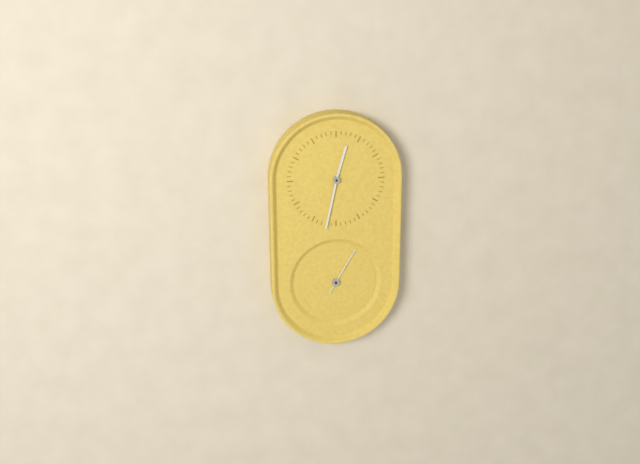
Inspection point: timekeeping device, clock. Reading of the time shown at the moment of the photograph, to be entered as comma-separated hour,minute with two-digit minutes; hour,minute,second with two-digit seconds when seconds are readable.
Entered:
12,32
